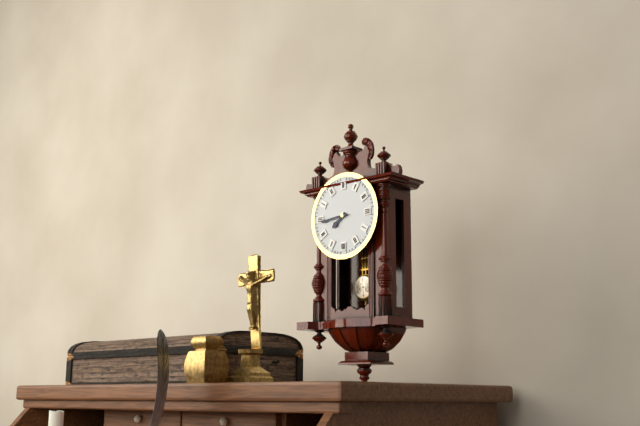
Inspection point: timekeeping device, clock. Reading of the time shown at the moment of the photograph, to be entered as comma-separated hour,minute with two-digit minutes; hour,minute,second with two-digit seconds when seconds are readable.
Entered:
7,44
